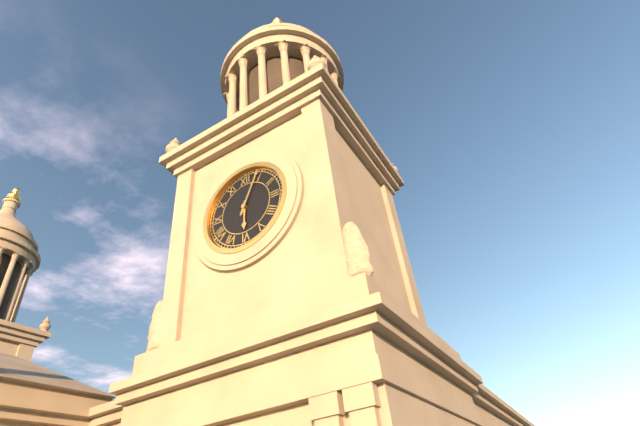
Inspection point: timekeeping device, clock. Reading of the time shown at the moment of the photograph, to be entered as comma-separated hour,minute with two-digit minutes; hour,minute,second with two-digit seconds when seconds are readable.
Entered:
6,04
